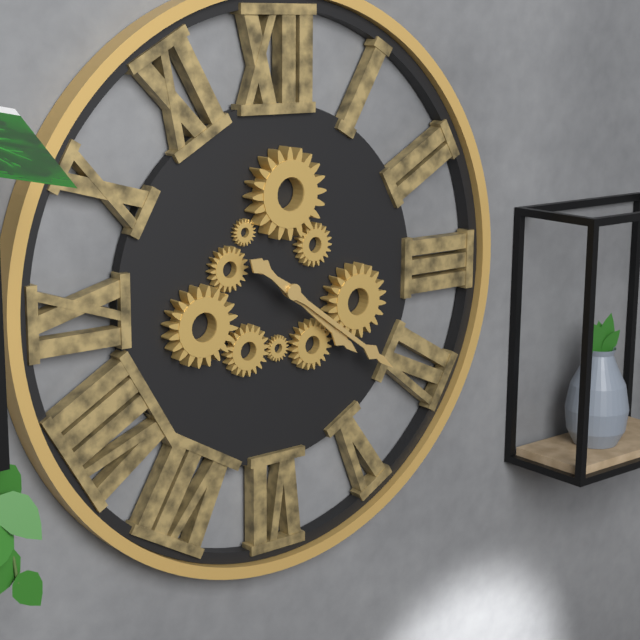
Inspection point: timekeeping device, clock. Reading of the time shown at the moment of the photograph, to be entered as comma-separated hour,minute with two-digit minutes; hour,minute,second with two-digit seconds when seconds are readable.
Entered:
4,21
